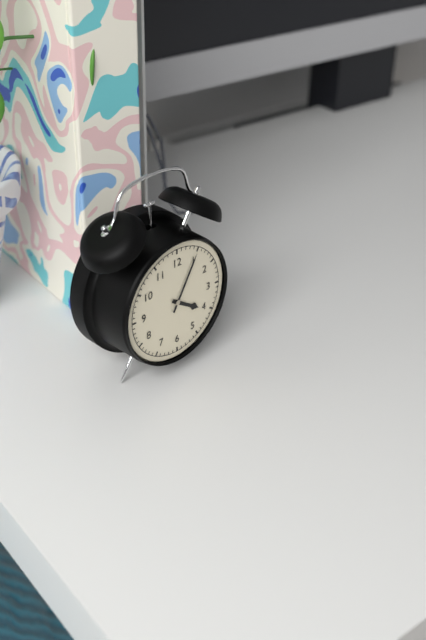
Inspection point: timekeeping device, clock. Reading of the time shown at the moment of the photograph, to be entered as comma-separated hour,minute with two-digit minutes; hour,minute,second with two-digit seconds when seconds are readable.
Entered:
4,05
